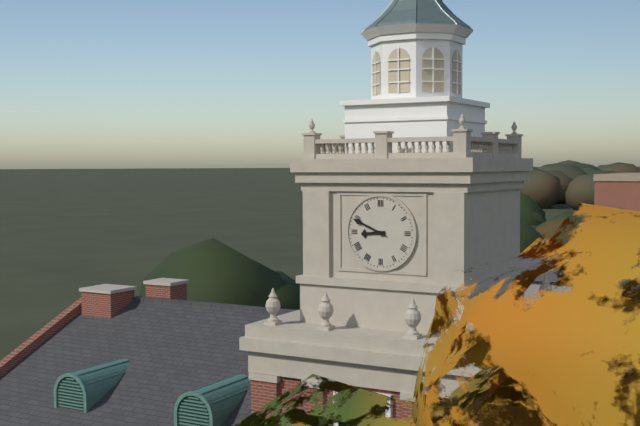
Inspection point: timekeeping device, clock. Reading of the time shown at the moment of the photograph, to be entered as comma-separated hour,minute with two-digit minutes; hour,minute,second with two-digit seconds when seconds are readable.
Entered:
8,49
